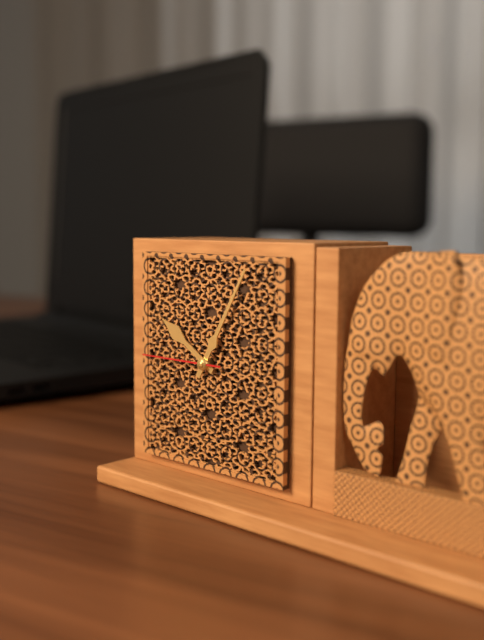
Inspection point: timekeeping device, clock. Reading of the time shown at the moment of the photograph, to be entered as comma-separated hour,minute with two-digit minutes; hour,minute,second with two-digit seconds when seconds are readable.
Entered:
10,05,45
